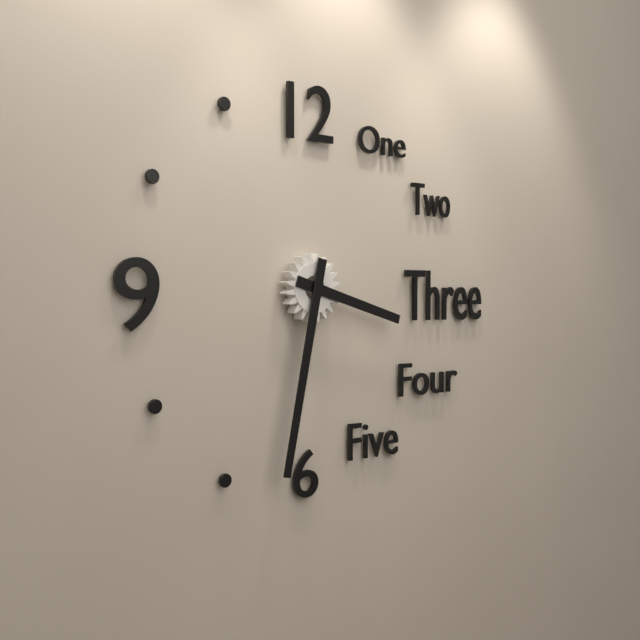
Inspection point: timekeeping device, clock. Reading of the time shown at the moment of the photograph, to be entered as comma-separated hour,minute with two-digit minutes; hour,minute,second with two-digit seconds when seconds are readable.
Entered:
3,32
